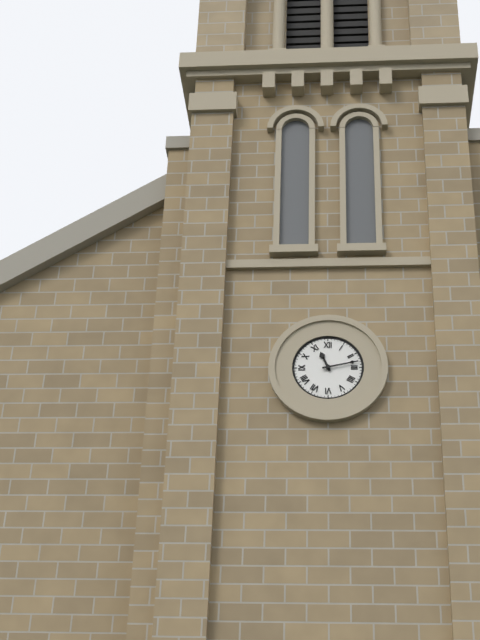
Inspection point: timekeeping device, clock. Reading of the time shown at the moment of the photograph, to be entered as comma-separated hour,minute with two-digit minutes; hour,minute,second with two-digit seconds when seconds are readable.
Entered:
11,13
